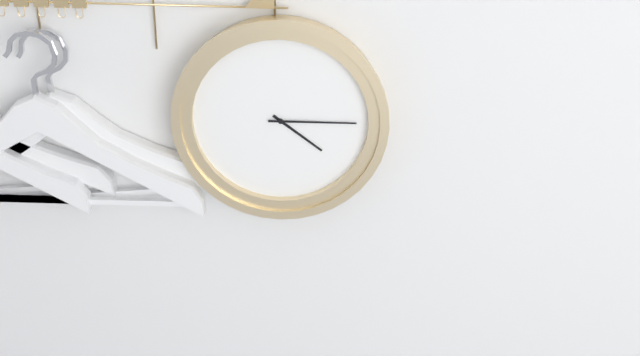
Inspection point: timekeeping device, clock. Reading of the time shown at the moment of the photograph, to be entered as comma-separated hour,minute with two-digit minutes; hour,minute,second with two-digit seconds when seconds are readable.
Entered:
4,15
